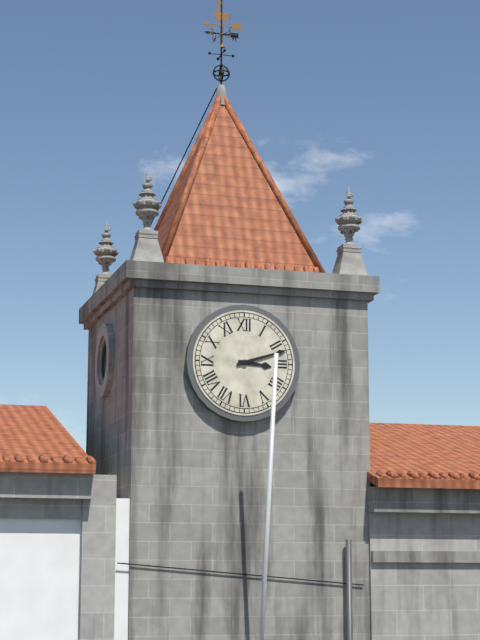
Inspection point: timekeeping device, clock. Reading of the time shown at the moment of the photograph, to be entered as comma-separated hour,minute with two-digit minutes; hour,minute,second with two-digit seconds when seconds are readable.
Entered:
3,12
